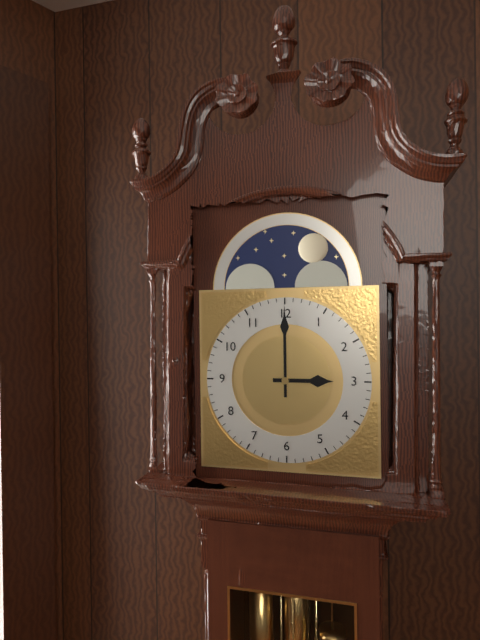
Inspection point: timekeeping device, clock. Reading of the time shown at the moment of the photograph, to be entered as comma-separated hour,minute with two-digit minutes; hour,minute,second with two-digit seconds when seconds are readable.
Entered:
3,00
